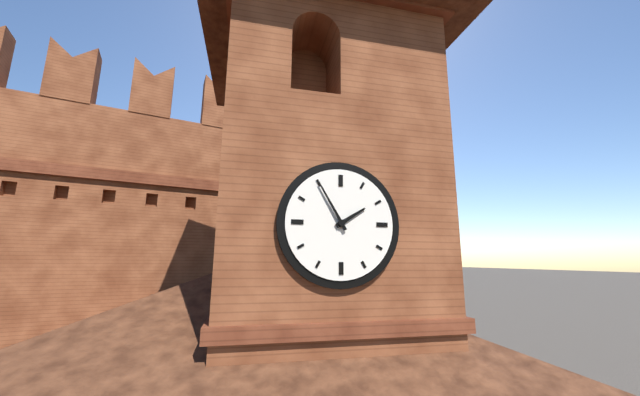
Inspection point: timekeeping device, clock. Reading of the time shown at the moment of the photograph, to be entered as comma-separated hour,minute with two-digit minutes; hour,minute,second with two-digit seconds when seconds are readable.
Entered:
1,55
